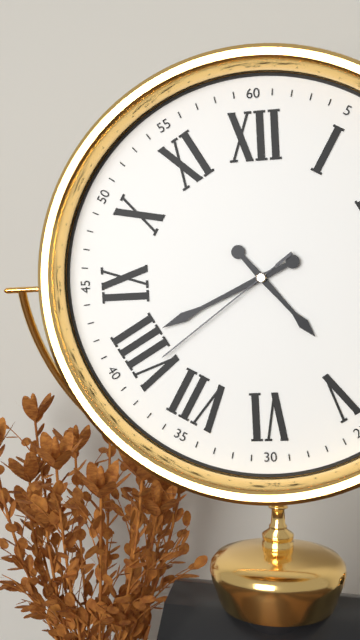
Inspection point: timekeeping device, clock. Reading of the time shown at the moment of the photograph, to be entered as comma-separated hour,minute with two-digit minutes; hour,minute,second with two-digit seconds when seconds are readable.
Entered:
4,41,39
